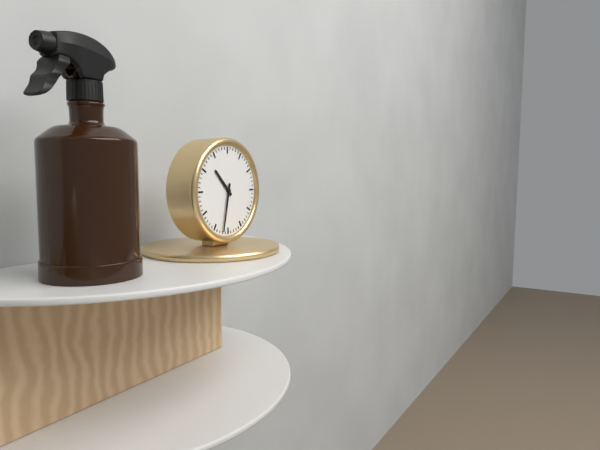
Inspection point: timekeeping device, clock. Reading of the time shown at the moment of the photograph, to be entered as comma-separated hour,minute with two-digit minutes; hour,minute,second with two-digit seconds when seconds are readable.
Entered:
10,32
